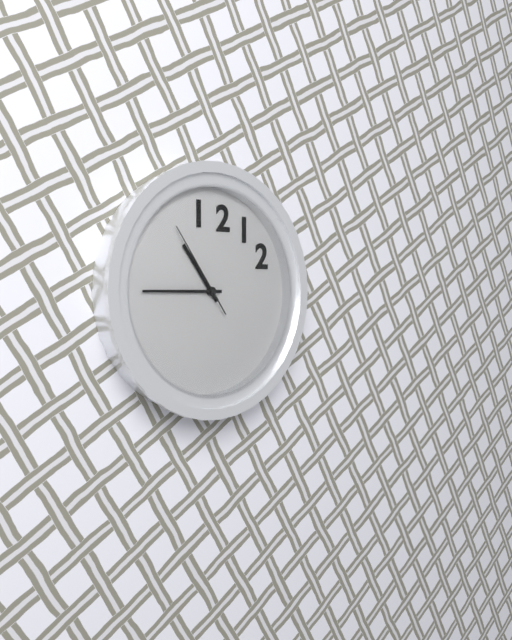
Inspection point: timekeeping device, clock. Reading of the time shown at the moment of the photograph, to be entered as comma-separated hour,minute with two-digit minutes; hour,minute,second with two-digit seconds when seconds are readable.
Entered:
10,45,54
